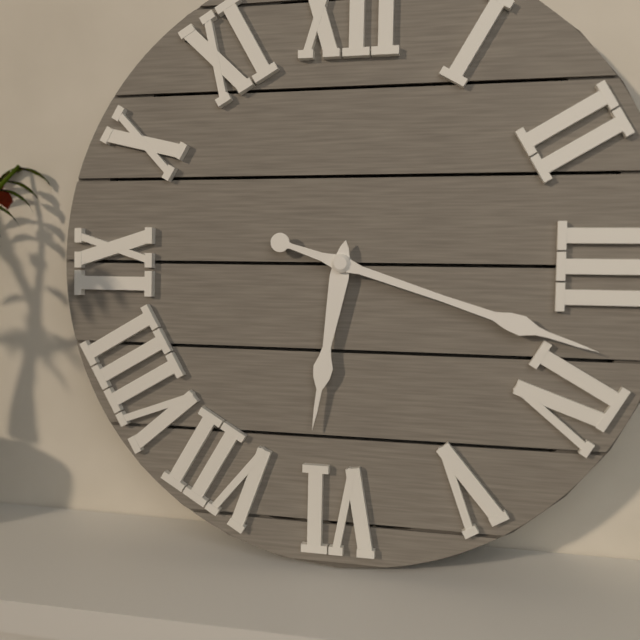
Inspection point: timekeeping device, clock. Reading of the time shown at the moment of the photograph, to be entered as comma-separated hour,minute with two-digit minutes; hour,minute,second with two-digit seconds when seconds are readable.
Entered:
6,18
